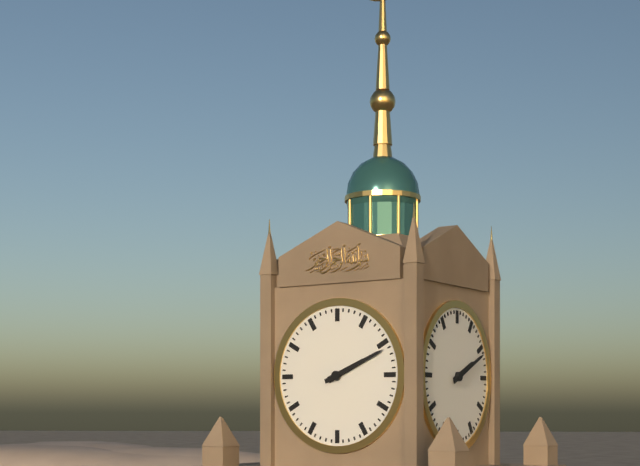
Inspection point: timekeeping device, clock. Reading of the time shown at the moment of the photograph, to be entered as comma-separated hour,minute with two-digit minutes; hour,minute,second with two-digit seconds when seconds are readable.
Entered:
2,11
